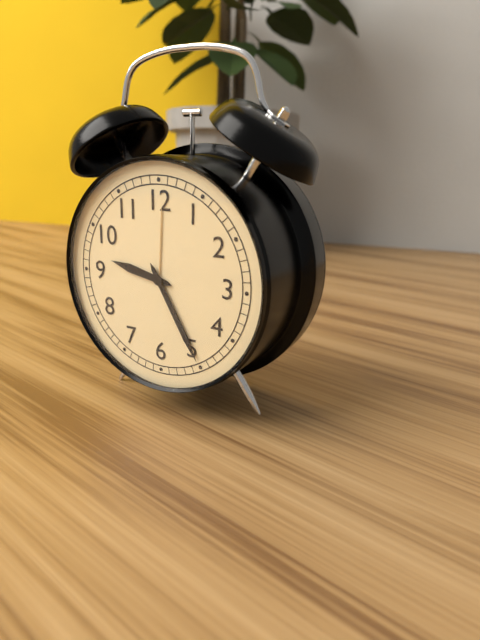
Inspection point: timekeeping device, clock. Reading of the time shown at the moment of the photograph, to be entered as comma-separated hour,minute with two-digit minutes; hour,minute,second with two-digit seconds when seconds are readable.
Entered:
9,25
